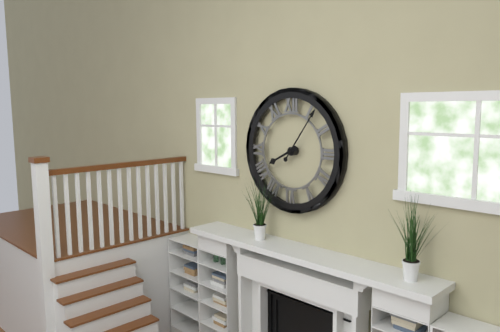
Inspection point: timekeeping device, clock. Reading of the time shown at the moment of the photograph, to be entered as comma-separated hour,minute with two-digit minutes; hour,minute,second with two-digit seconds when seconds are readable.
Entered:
8,06
